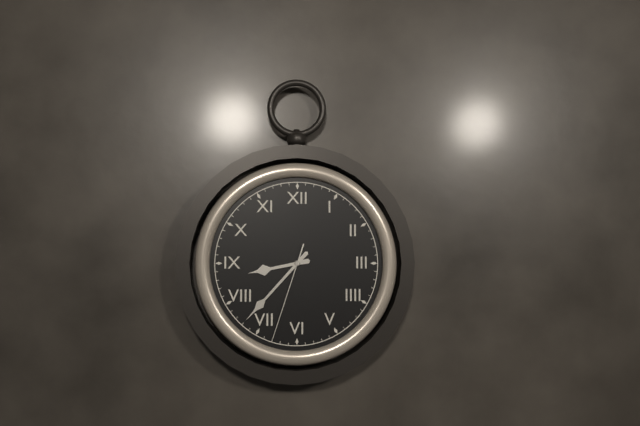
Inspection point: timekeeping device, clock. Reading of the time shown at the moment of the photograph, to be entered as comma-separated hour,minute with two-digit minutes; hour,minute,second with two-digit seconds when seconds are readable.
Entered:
8,37,33
